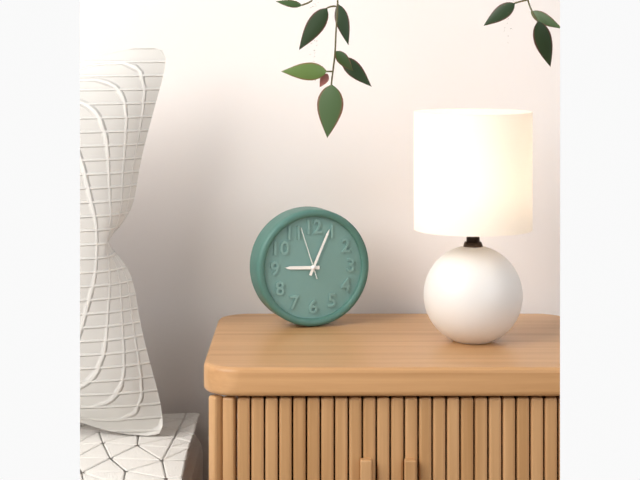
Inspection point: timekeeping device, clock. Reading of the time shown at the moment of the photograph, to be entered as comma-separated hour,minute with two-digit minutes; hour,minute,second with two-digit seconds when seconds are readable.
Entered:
9,04,57
